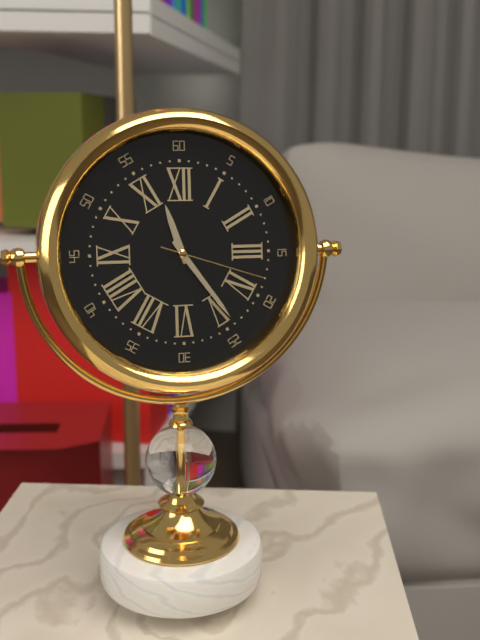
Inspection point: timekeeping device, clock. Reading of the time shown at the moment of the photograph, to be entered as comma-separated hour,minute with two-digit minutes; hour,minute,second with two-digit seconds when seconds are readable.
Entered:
11,24,18
